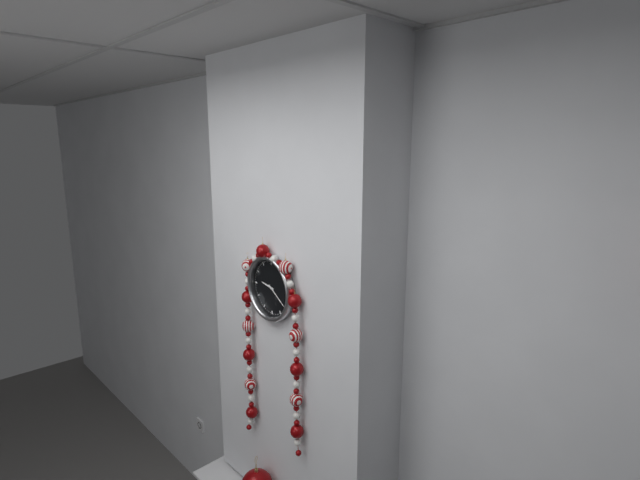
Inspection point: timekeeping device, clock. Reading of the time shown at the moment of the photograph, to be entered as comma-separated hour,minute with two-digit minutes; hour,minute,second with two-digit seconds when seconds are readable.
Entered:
9,21
